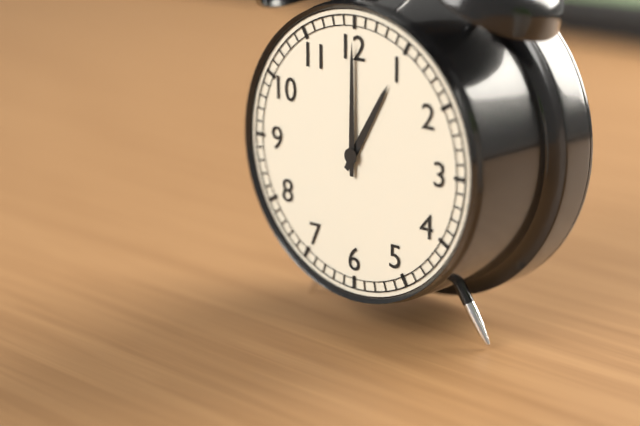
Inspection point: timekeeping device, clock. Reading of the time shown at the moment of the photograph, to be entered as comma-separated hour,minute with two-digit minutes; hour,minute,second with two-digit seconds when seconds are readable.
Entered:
1,00
